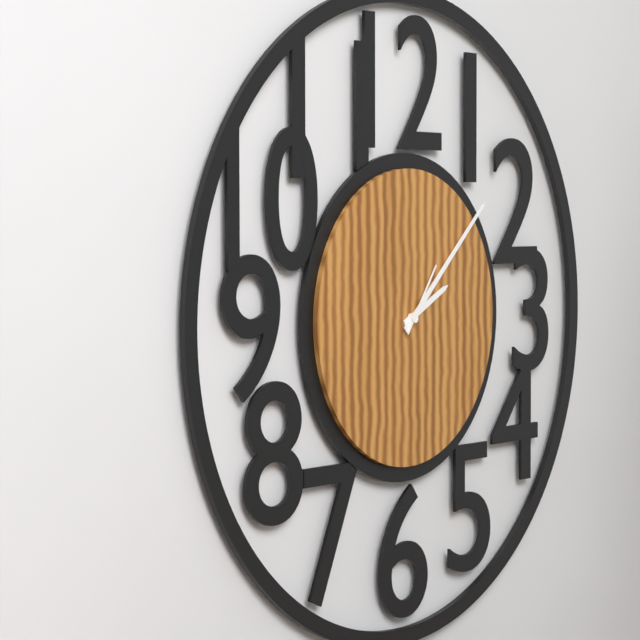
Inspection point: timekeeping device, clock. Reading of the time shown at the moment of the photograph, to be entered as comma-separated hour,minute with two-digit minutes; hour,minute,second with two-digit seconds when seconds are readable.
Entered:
2,08,06
